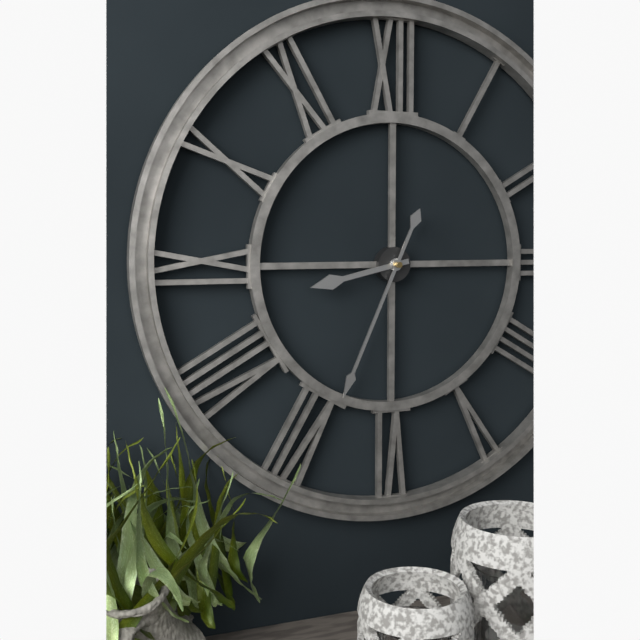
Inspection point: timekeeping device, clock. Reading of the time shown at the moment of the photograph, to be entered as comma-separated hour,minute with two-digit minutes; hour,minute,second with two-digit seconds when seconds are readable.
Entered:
8,34
